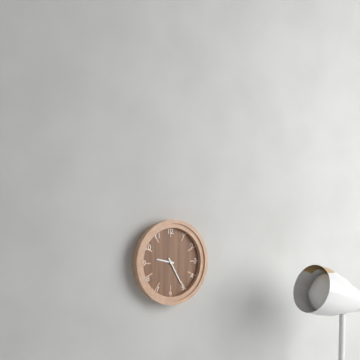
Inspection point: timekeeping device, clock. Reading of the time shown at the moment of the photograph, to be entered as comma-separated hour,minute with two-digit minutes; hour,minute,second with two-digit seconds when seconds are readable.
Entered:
9,25
